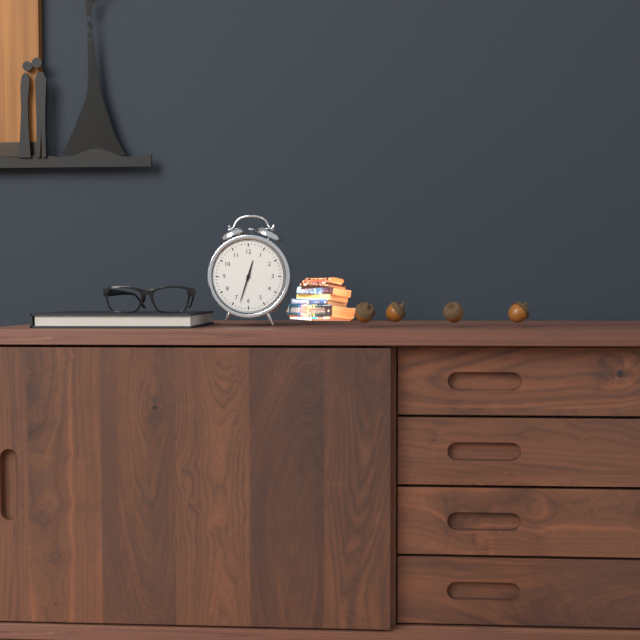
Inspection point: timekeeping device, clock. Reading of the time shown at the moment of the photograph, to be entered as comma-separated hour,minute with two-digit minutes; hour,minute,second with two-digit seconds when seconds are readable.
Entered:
12,33
